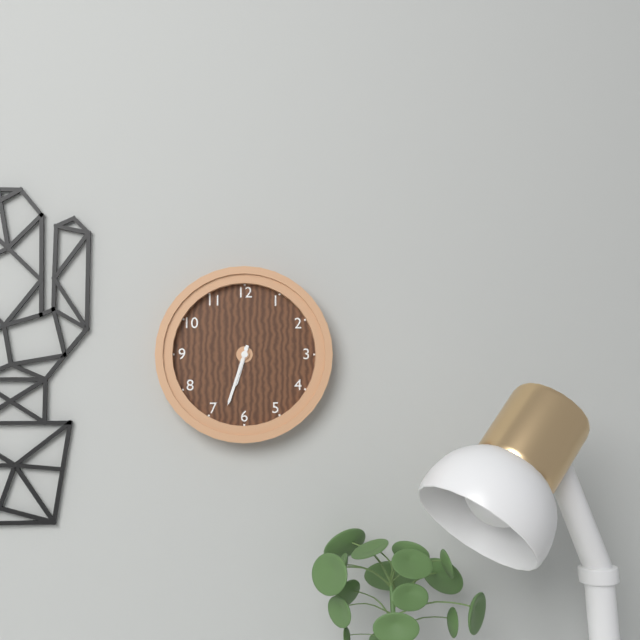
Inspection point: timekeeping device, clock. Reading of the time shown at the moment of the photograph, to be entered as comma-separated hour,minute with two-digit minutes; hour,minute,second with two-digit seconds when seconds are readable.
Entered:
6,33
